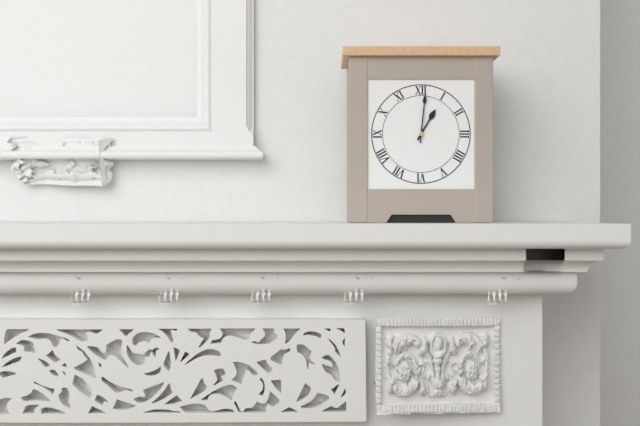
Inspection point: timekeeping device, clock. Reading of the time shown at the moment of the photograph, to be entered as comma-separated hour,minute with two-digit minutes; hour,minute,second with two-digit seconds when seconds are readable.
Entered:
1,01
